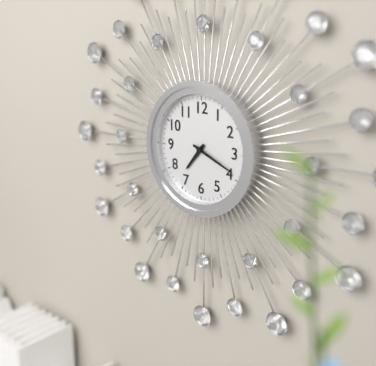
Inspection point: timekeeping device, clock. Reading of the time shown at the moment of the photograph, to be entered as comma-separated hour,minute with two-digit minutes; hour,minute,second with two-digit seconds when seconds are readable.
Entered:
7,19
